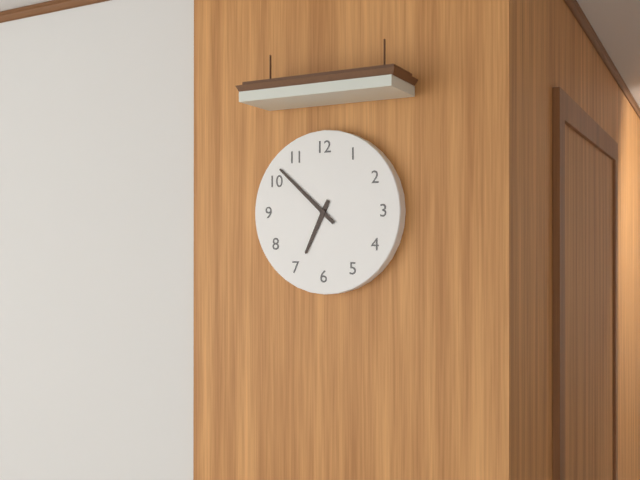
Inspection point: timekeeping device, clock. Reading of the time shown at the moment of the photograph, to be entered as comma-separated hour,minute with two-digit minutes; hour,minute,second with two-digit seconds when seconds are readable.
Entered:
6,52
